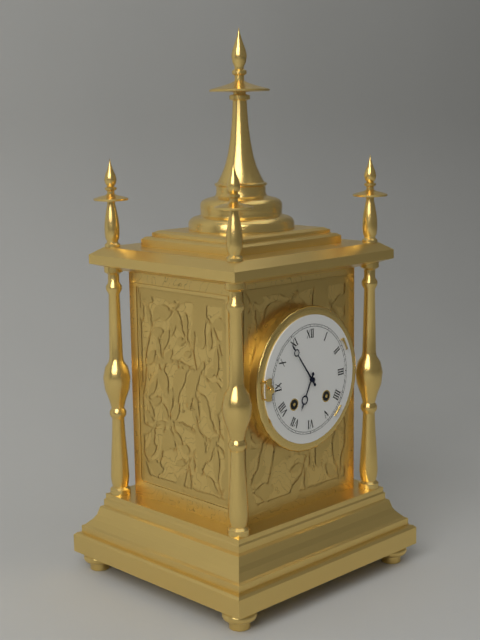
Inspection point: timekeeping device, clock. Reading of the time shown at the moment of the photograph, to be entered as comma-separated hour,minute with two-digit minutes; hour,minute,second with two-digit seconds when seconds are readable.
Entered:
6,54
